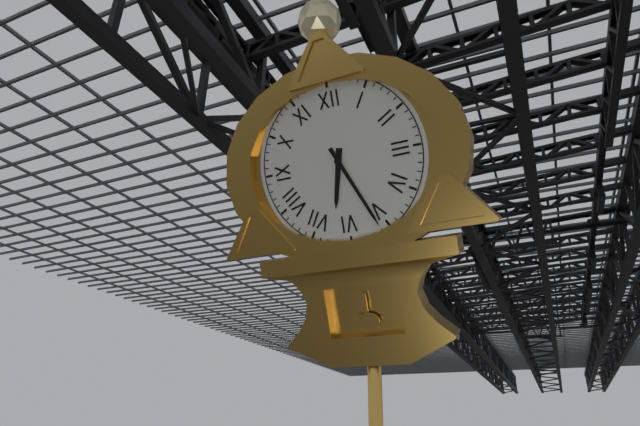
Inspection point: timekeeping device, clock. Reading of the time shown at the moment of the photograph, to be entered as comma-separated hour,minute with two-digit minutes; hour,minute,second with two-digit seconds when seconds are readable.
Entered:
6,26
